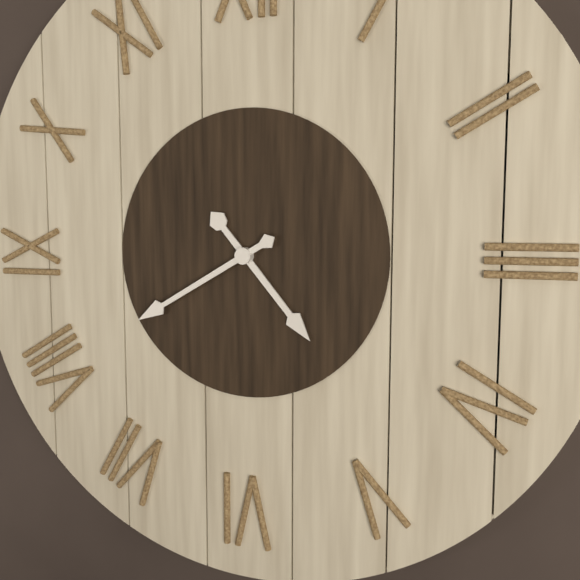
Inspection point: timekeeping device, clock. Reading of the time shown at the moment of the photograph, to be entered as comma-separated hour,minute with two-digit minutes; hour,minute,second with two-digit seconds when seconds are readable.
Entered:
4,40
